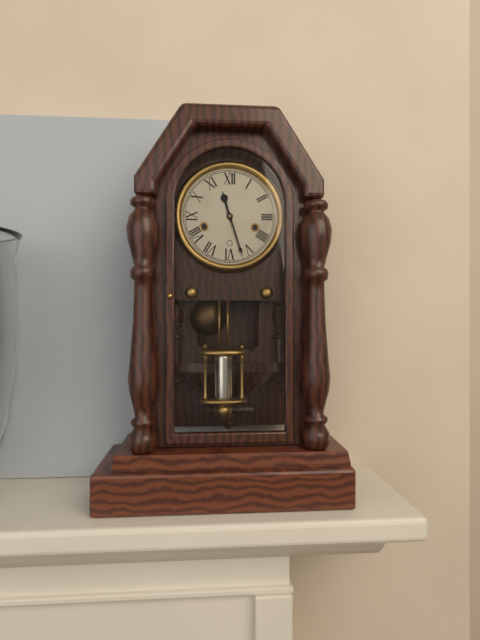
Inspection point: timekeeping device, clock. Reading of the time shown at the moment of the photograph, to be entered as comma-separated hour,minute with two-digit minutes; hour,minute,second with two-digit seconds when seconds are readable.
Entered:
11,27
